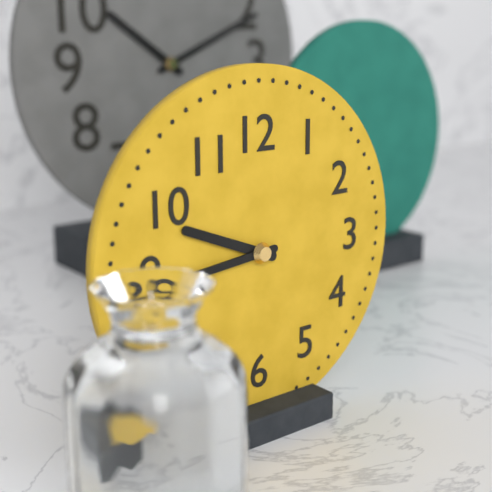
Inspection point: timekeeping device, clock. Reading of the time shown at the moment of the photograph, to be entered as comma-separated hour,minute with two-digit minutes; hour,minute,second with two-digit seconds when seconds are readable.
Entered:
9,44
